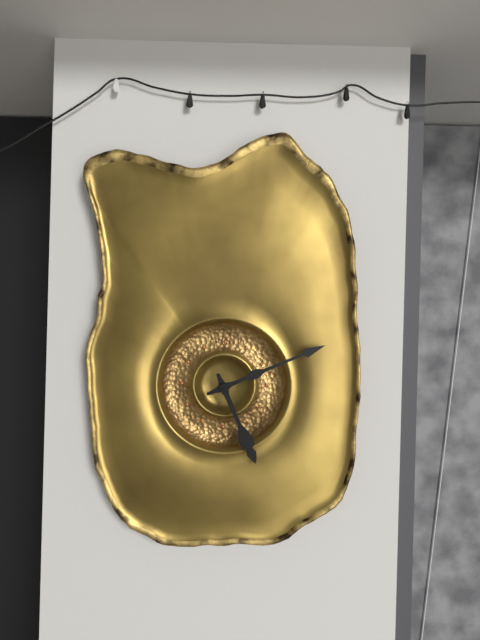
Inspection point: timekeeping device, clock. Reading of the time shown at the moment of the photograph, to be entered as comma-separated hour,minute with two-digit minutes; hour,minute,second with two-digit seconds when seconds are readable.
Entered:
5,11
